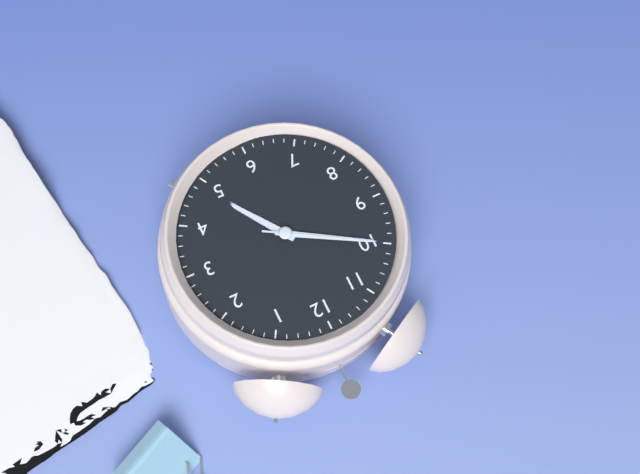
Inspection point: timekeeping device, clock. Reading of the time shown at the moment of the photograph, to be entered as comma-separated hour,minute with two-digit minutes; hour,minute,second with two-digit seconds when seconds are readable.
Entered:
4,50,50
